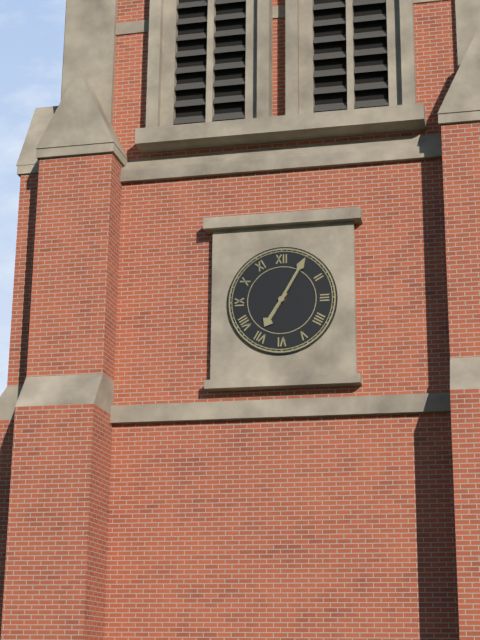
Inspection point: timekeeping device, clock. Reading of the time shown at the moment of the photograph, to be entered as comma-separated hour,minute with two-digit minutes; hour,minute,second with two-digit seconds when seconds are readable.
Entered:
7,05
